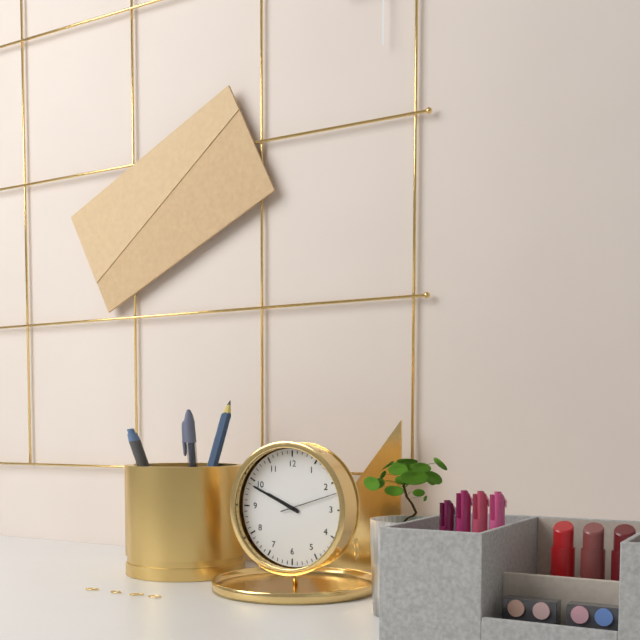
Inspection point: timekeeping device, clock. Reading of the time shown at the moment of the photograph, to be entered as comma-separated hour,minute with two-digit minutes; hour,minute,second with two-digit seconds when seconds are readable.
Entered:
9,49,12
